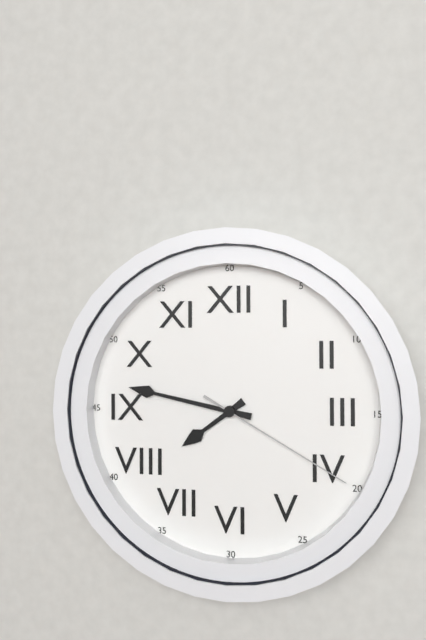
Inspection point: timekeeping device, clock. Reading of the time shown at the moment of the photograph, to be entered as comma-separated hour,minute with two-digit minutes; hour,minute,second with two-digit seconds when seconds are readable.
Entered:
7,47,20
